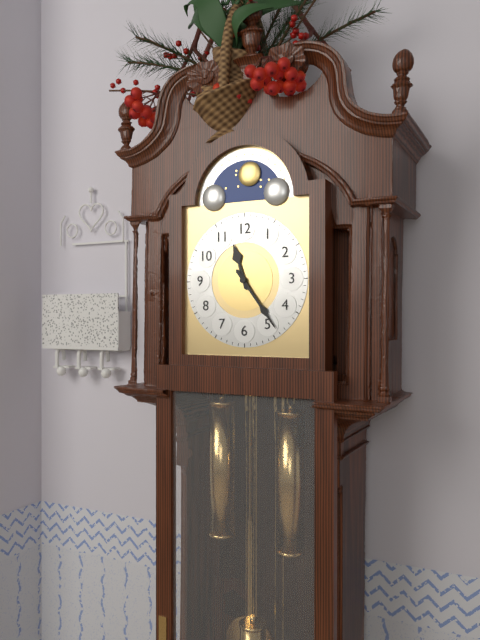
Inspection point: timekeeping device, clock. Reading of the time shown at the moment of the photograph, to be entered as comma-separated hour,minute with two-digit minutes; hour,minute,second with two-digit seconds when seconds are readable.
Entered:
11,24
